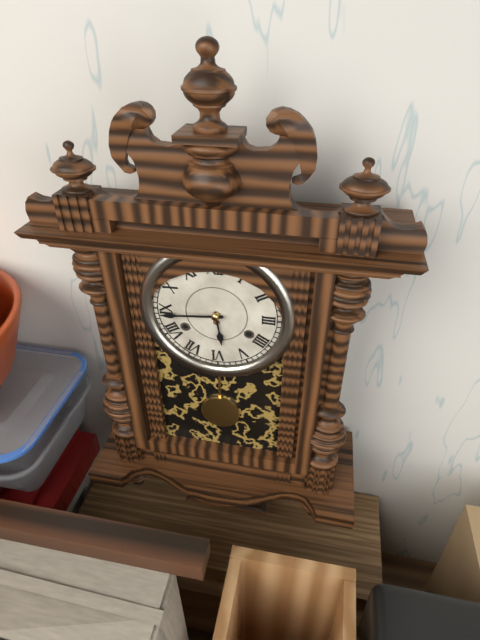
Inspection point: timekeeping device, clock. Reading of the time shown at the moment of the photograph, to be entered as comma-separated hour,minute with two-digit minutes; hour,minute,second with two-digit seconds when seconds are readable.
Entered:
5,44
